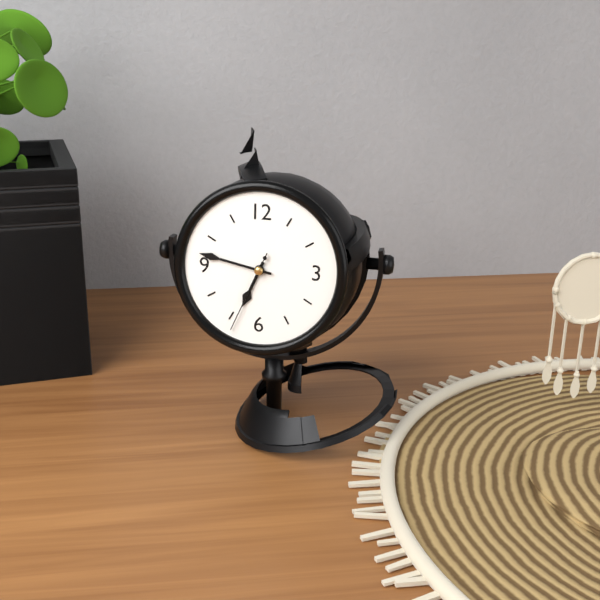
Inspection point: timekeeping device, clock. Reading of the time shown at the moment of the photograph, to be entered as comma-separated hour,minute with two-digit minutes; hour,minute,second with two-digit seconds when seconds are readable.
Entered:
6,47,34
